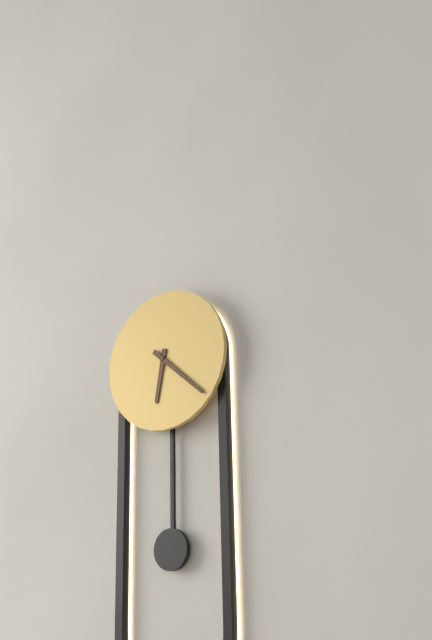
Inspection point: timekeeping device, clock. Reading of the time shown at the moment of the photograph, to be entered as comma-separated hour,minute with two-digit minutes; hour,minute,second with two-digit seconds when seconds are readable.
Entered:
6,22
